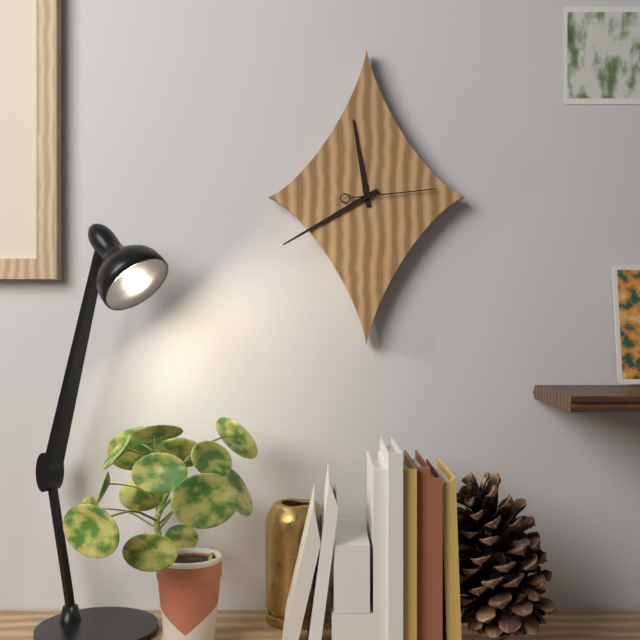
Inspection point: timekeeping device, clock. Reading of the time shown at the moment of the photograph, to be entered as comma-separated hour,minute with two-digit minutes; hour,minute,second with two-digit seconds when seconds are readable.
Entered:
11,40,14
